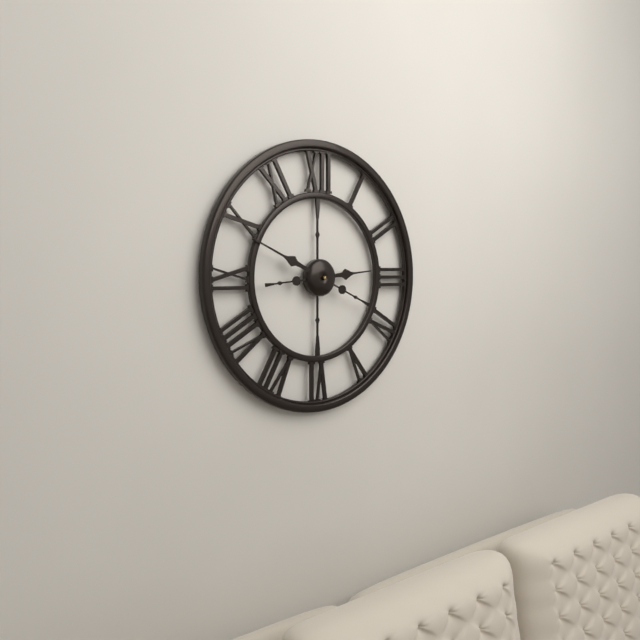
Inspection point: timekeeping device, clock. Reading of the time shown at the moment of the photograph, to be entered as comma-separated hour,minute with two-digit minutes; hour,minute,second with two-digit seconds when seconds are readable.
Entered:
2,49
